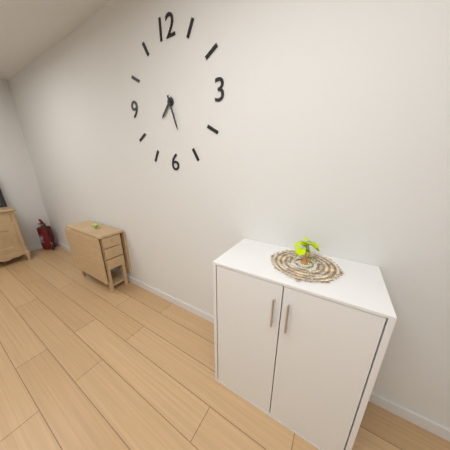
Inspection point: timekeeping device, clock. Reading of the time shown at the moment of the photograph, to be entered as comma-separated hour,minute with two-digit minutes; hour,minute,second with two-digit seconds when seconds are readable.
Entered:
7,27
